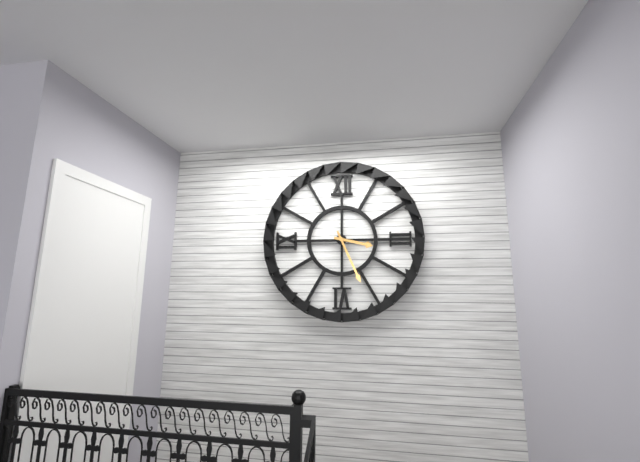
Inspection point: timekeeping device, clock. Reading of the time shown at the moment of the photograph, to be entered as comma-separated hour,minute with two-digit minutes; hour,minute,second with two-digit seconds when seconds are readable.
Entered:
3,26
